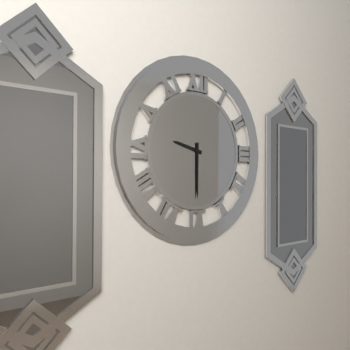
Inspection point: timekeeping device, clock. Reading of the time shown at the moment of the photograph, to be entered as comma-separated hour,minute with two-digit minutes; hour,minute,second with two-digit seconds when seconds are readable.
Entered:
9,30
